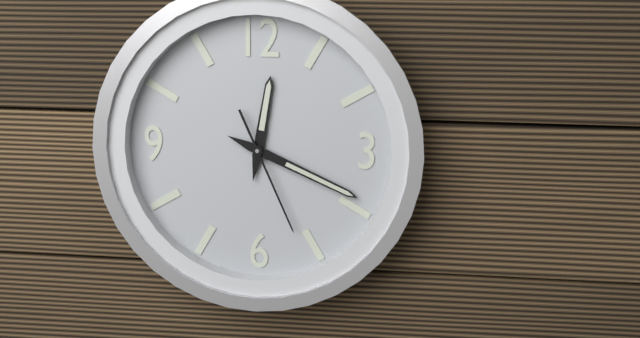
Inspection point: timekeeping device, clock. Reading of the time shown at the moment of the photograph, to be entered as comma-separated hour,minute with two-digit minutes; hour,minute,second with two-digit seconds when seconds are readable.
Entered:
12,19,26
